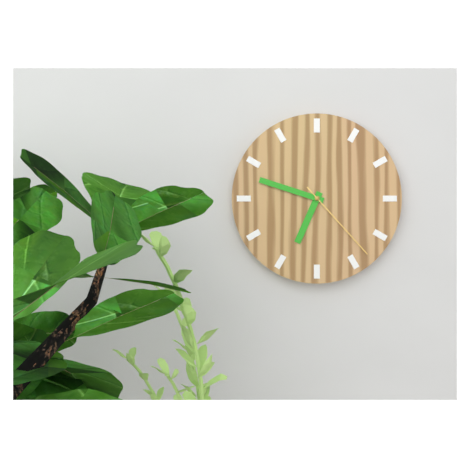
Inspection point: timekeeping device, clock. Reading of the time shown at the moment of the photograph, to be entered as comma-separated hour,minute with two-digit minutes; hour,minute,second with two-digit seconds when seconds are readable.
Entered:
6,48,23
